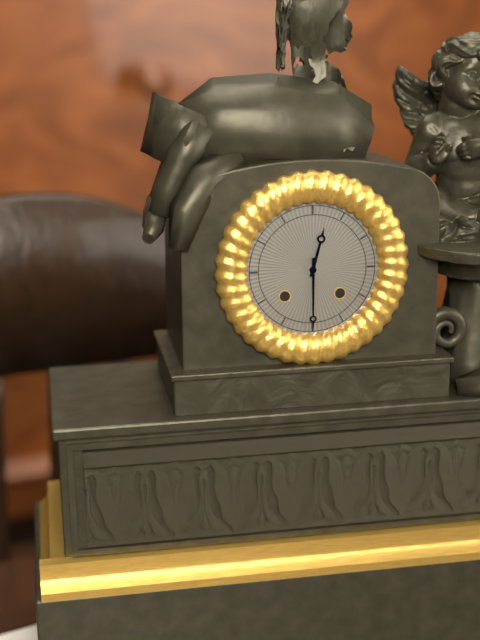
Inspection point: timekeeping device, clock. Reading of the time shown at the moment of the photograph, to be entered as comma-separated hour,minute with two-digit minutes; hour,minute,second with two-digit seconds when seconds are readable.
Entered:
12,30
